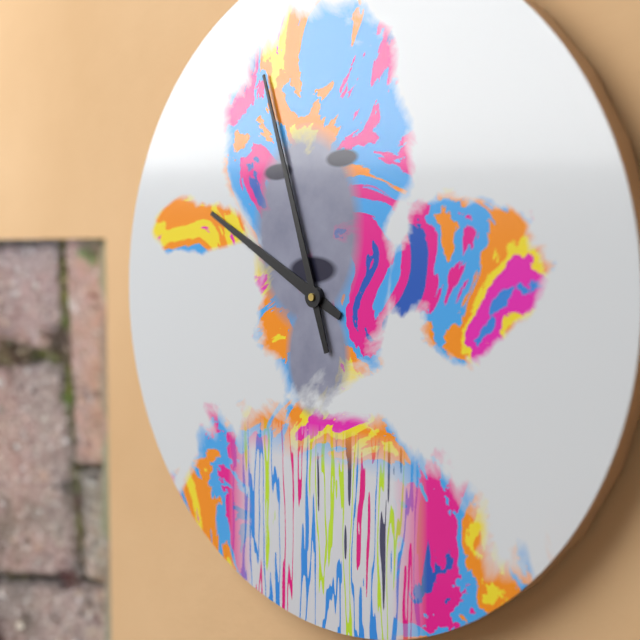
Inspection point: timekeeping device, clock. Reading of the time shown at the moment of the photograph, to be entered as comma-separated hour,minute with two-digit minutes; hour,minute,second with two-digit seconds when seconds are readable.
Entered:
9,57
